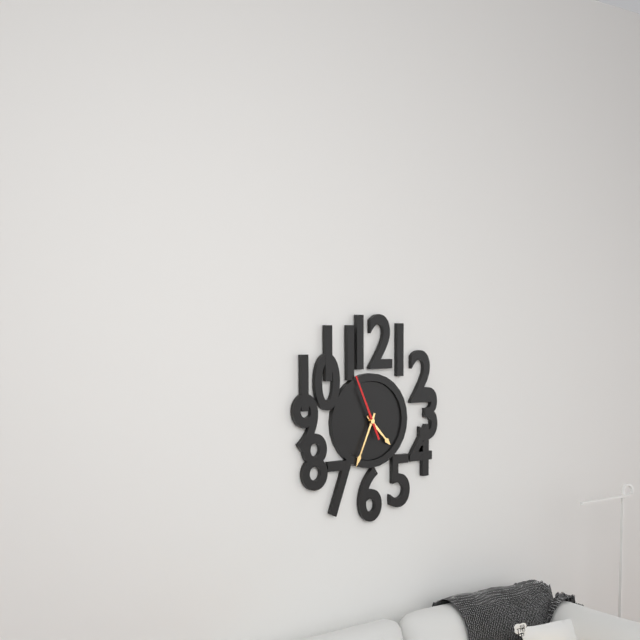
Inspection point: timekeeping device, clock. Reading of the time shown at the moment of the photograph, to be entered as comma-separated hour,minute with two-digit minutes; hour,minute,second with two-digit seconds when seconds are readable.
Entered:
4,34,56
